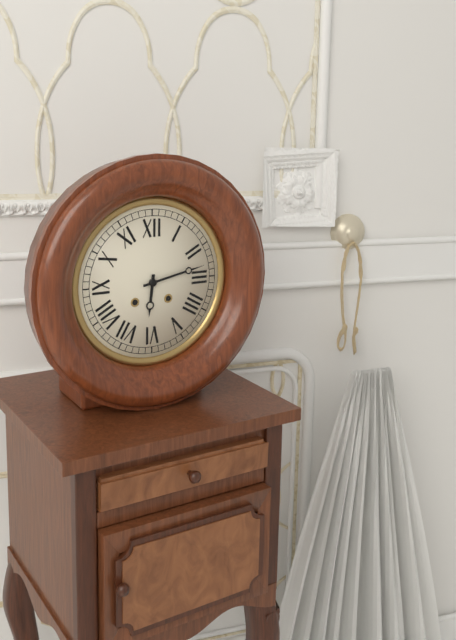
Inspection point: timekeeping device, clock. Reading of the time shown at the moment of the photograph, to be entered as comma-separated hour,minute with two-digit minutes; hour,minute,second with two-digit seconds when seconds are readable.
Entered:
6,13
